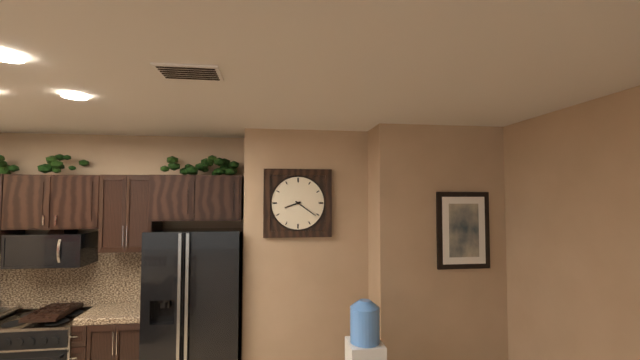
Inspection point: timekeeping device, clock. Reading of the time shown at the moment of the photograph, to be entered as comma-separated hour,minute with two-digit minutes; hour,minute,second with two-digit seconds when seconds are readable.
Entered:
8,21
